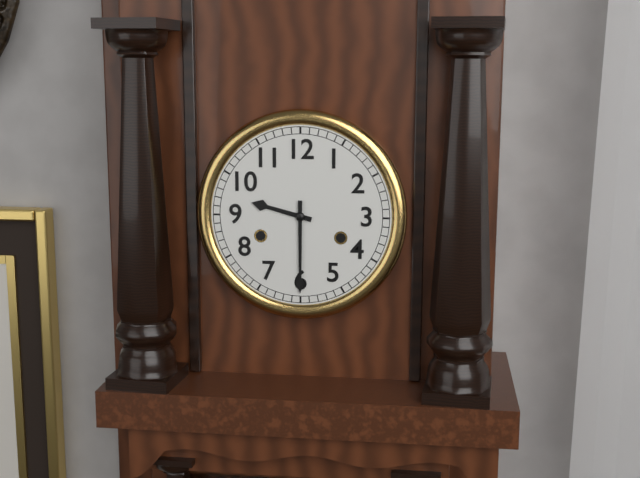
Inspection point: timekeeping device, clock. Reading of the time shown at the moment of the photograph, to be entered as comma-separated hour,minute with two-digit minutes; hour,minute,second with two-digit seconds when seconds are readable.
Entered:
9,30
